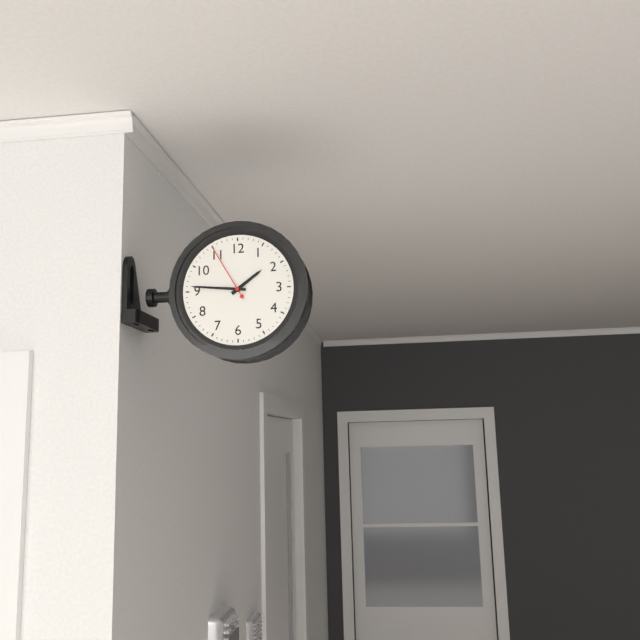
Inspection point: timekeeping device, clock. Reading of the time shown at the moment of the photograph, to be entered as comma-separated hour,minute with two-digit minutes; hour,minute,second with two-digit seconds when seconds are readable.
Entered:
1,46,55
